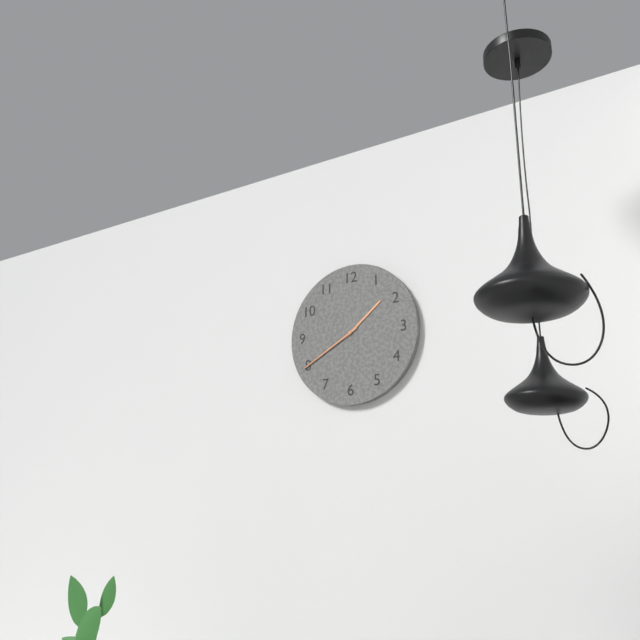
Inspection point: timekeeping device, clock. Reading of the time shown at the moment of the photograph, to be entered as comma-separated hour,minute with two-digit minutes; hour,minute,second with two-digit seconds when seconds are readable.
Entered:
1,40
